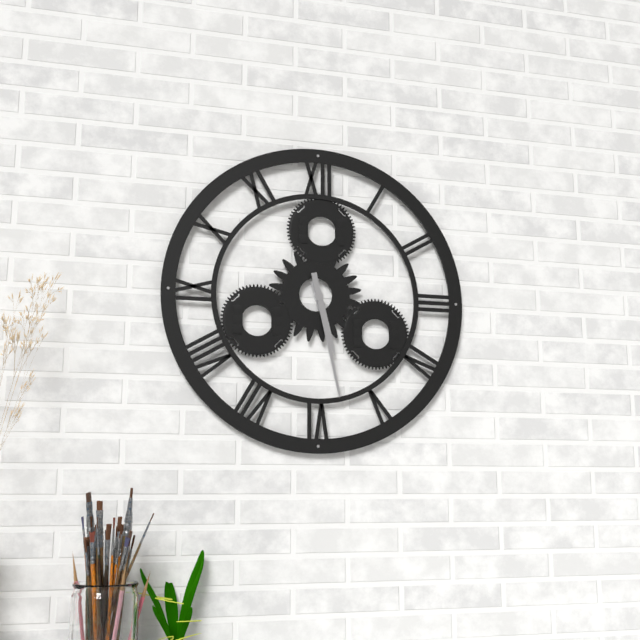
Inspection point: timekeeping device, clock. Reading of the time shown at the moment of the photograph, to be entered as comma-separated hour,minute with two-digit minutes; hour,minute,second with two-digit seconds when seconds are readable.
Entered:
5,28
